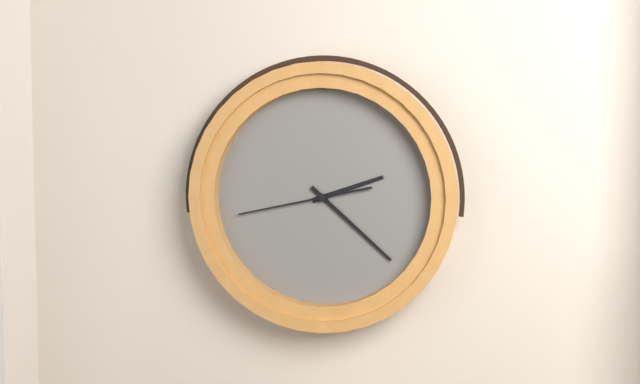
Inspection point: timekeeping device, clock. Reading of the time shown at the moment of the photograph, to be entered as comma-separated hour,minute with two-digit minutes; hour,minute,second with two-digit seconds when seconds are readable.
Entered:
2,22,43
